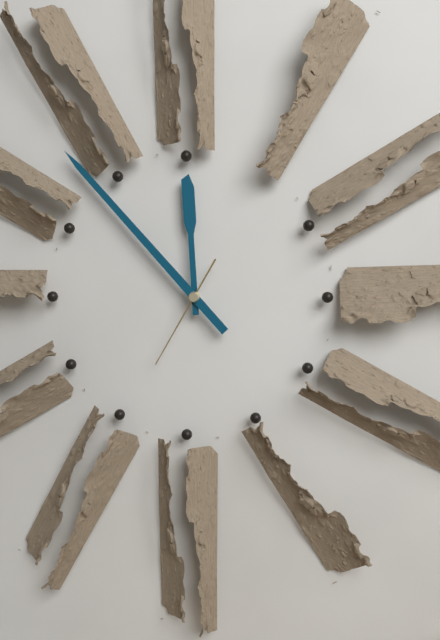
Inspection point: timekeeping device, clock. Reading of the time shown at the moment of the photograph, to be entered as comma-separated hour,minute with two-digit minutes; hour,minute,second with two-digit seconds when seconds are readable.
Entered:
11,53,35
